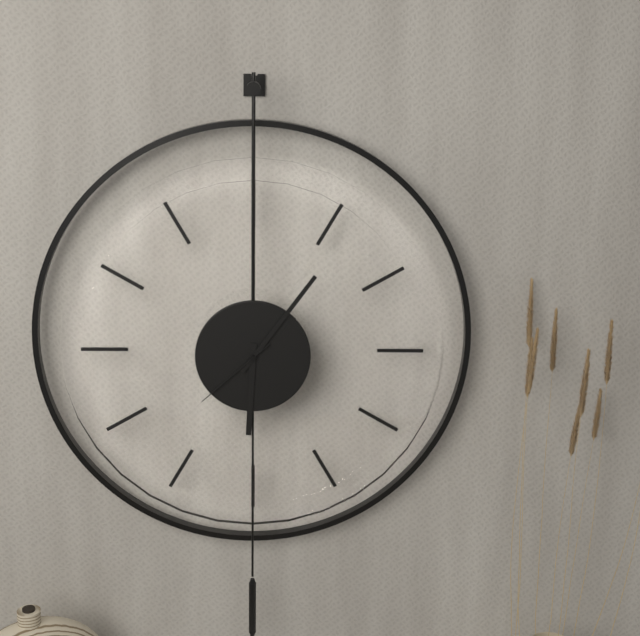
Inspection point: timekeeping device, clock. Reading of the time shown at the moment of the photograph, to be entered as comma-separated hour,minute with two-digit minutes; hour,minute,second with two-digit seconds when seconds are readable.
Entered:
6,06,38
